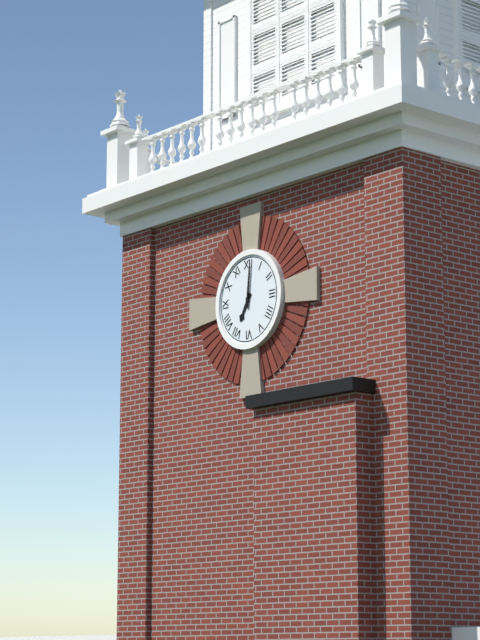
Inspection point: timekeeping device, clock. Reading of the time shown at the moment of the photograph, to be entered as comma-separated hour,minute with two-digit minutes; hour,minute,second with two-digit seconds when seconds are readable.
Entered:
7,01
